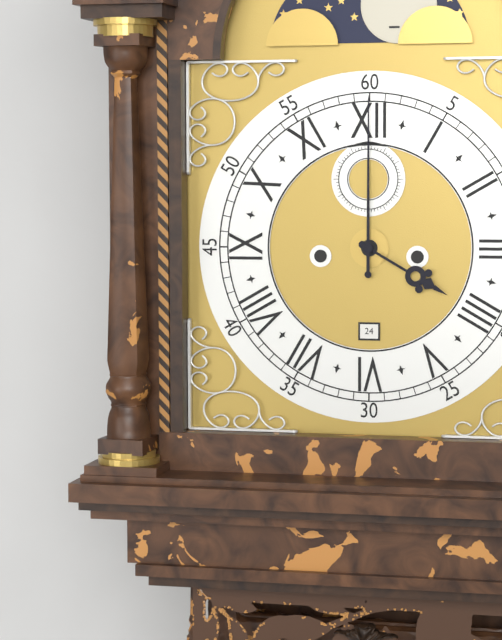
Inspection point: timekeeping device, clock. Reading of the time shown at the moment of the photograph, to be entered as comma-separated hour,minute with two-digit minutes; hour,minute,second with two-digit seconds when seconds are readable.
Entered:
4,00
